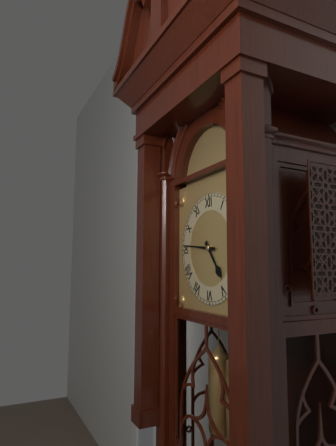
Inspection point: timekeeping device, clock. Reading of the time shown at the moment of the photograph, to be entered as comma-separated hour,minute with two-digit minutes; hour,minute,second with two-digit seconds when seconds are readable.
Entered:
4,46
